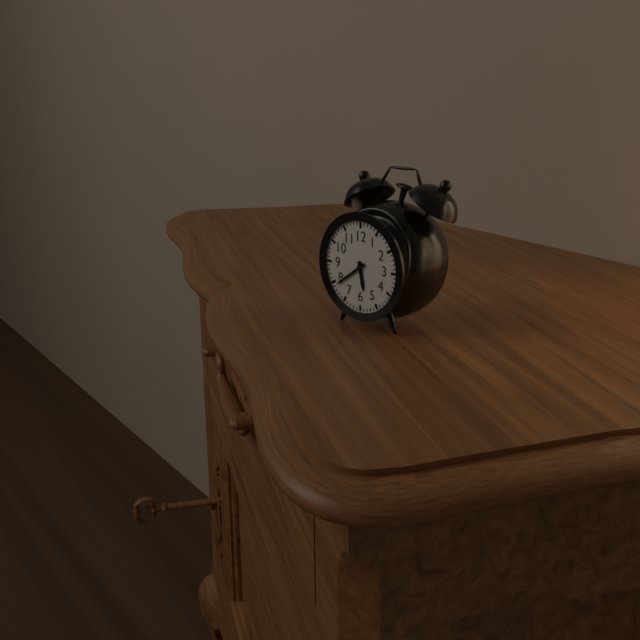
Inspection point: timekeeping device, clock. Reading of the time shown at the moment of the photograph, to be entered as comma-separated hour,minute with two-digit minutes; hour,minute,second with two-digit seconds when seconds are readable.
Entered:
5,39
